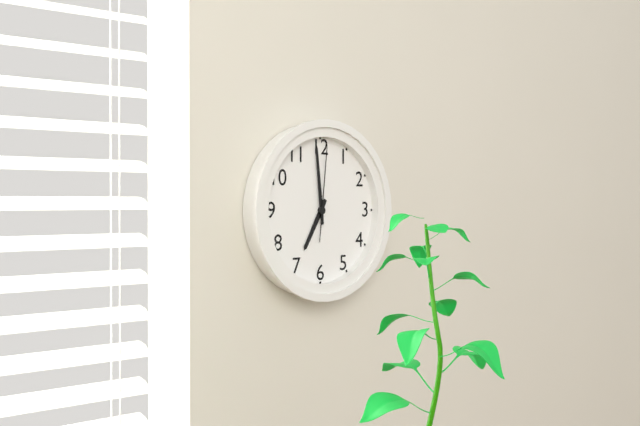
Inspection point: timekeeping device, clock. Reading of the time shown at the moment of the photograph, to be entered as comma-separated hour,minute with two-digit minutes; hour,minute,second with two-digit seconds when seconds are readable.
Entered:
6,59,01
